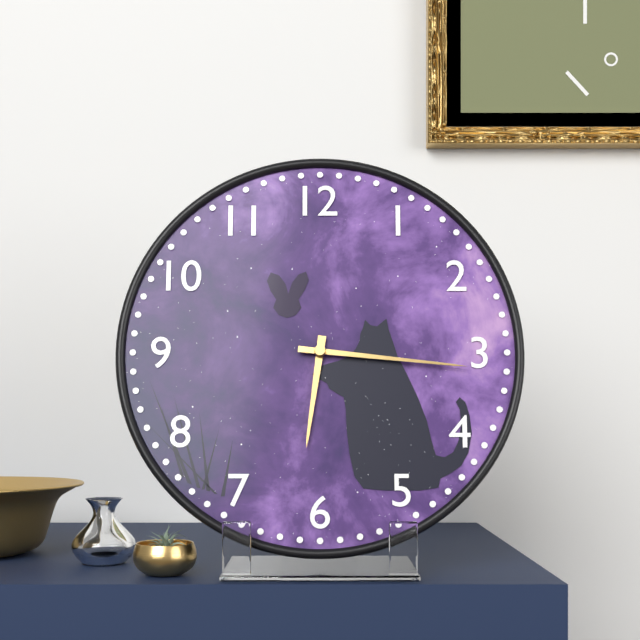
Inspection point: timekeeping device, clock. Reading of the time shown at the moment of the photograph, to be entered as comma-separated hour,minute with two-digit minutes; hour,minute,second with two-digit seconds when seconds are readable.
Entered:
6,16
